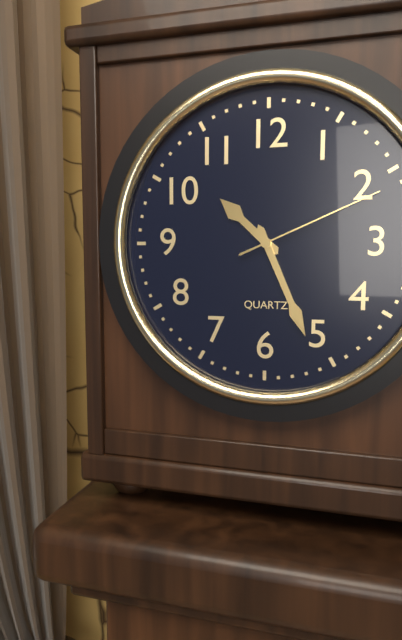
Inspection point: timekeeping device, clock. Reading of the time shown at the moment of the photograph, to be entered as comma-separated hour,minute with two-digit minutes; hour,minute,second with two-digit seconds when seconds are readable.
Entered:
10,26,11
